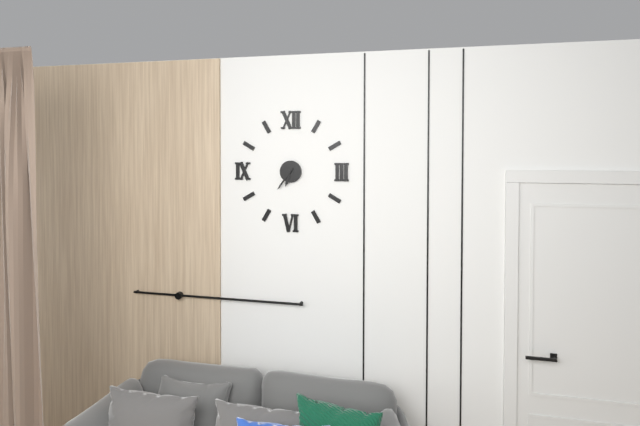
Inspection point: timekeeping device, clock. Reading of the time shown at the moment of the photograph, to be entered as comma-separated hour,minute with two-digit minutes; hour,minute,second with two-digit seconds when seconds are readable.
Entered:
6,36
